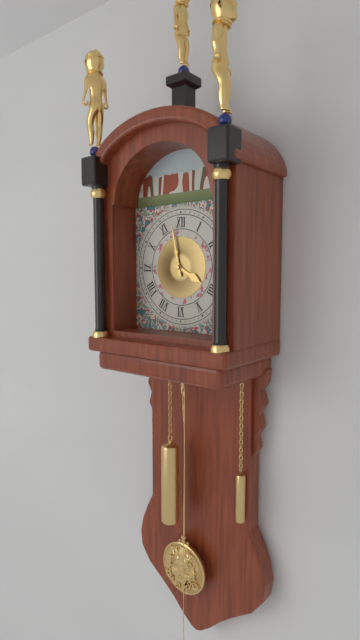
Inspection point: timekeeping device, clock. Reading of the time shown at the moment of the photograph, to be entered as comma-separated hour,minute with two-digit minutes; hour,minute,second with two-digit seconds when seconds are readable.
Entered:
3,58
